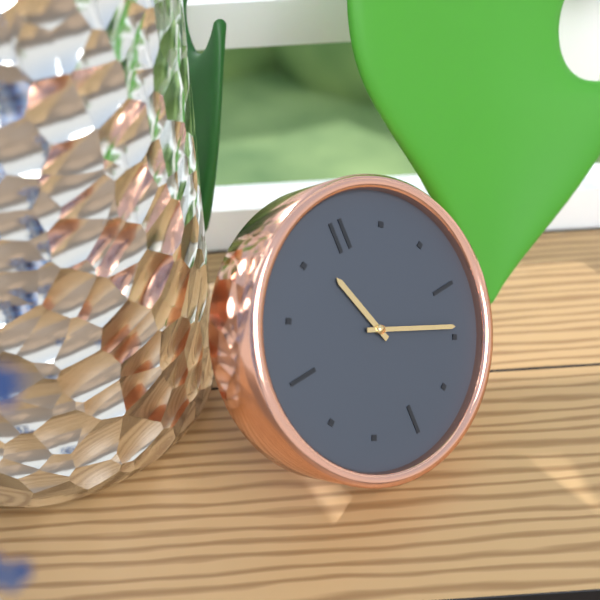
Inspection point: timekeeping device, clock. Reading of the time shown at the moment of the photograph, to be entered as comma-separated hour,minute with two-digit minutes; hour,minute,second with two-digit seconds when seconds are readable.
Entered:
11,19
